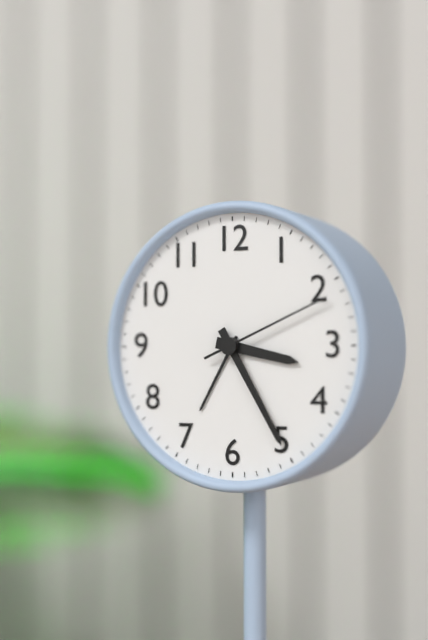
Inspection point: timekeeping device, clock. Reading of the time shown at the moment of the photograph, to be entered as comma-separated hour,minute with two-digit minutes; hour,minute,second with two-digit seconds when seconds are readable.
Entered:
3,25,11
